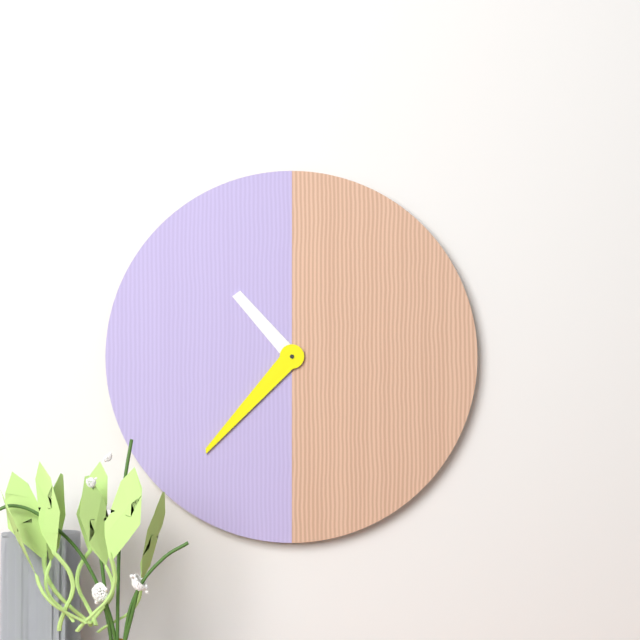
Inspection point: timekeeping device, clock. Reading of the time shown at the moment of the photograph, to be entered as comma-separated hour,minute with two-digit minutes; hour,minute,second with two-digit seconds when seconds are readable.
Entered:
10,37
